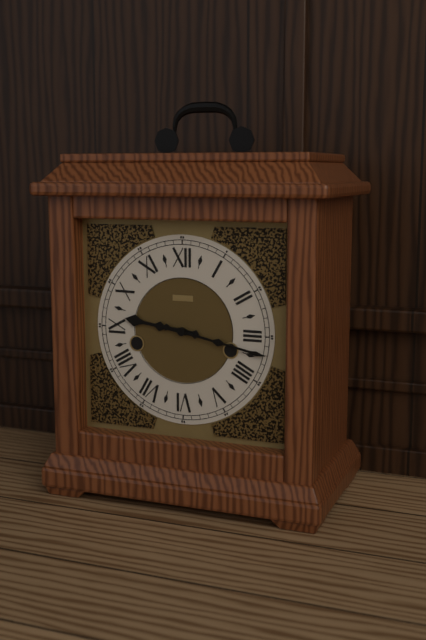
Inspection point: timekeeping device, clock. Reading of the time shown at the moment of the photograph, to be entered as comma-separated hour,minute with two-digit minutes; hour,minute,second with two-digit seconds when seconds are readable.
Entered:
9,17
